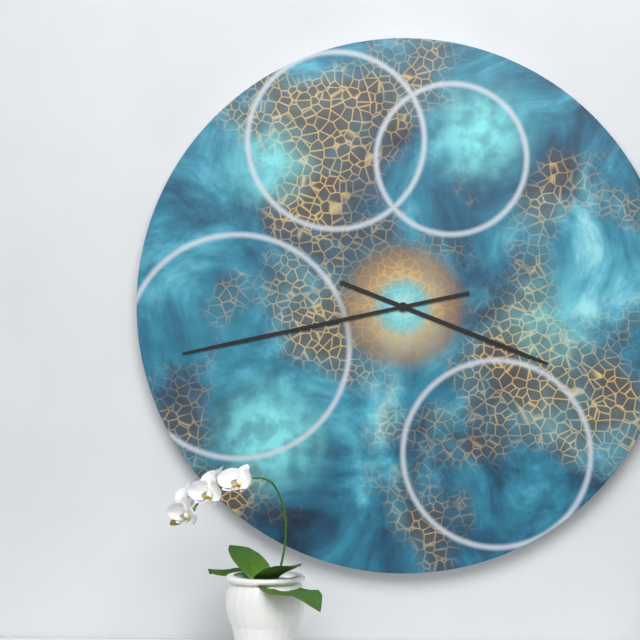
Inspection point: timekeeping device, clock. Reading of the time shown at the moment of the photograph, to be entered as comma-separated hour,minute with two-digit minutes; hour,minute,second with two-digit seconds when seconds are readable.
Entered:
3,43
